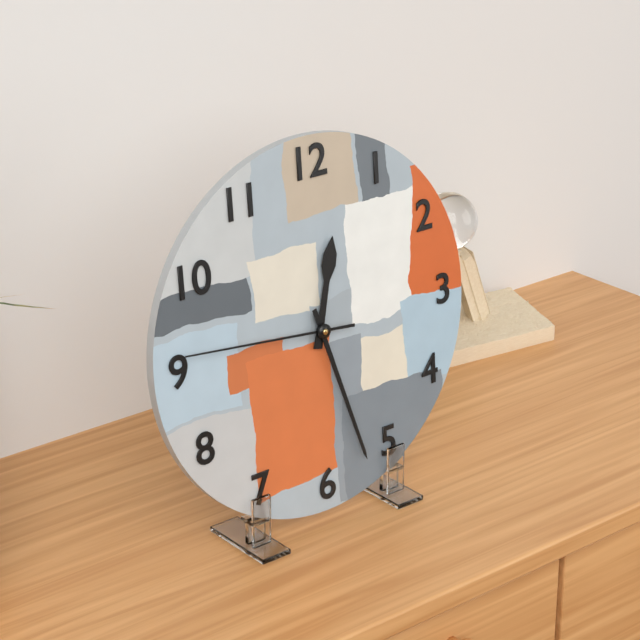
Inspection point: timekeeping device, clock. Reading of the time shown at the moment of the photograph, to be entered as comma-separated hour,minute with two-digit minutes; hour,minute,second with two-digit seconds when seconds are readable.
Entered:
12,27,46
